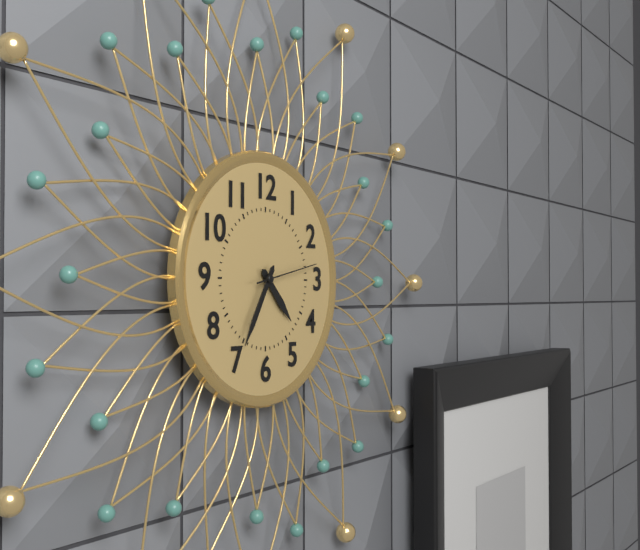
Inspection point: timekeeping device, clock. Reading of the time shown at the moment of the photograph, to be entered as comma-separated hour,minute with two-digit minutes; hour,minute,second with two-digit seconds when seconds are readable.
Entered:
4,35,13
